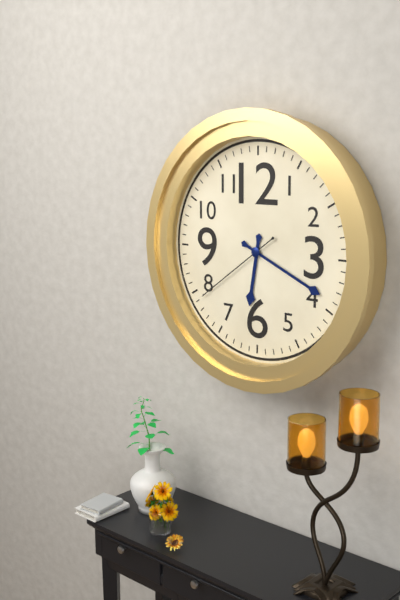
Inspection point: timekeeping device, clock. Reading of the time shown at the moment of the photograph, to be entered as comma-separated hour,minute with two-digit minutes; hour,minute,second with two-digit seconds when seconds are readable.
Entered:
6,19,39
